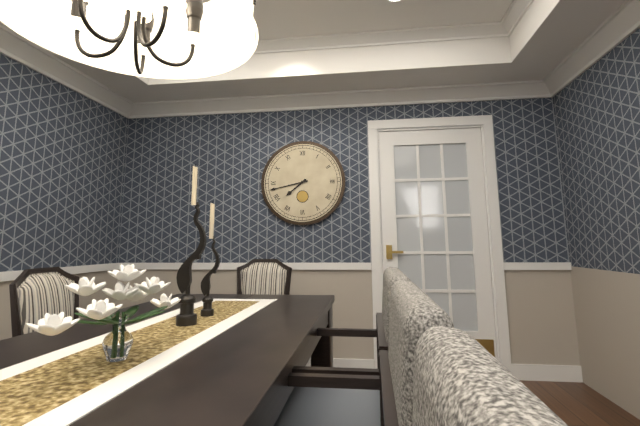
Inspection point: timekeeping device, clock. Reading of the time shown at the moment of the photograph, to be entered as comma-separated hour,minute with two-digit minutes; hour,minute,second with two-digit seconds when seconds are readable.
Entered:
7,43
